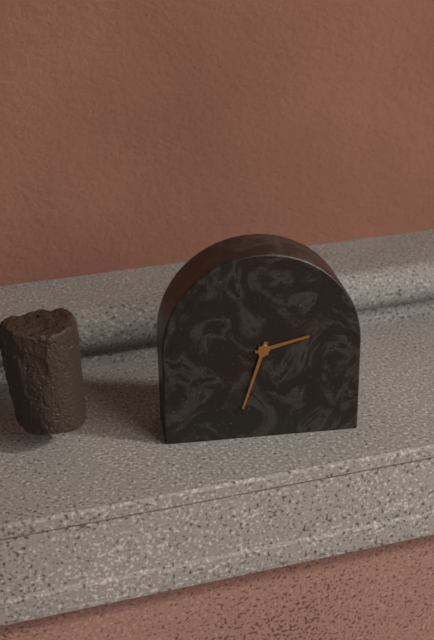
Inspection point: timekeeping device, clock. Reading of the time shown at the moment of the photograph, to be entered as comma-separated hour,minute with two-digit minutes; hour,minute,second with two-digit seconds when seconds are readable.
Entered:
2,33
